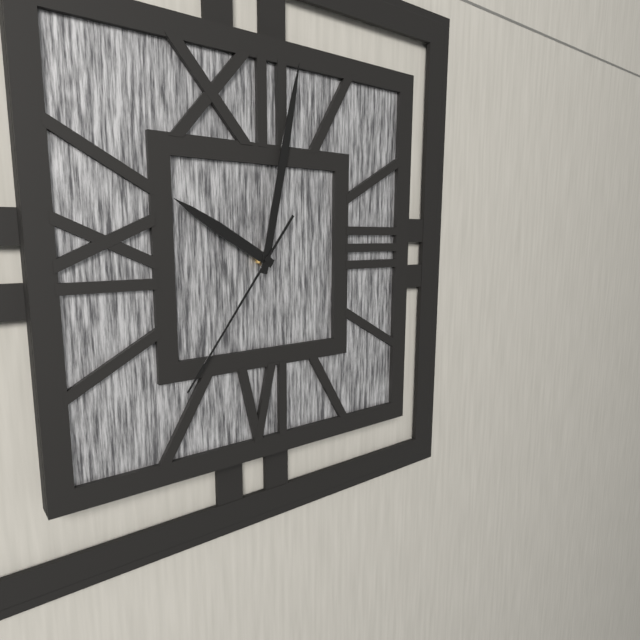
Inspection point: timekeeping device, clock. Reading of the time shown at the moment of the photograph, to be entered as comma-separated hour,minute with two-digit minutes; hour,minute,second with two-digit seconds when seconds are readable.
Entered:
10,02,36
